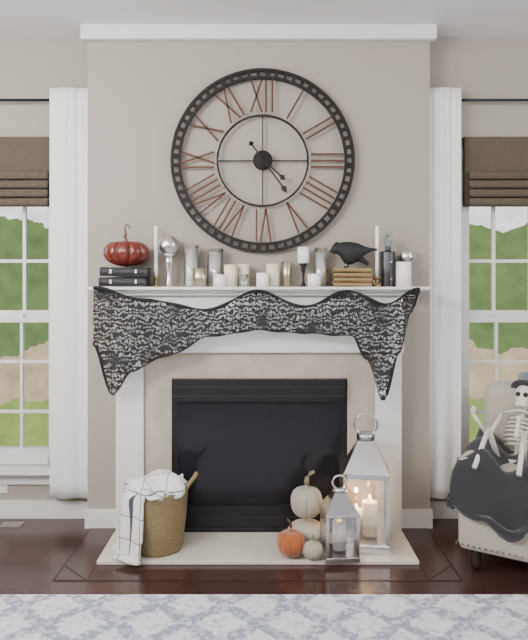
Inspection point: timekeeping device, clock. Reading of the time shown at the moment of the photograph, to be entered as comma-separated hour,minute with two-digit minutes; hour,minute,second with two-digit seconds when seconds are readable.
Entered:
4,24
